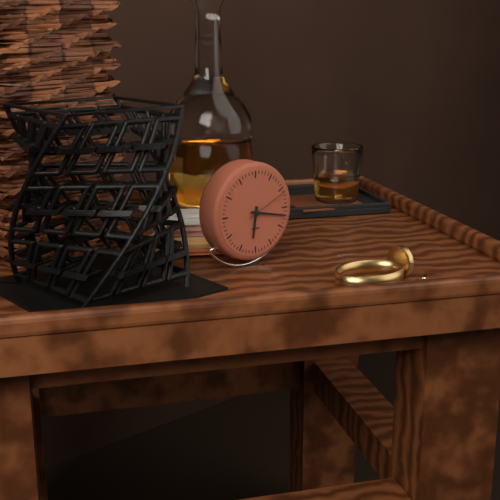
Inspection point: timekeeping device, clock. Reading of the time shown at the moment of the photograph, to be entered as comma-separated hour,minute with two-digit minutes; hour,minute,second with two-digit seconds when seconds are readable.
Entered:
6,17
